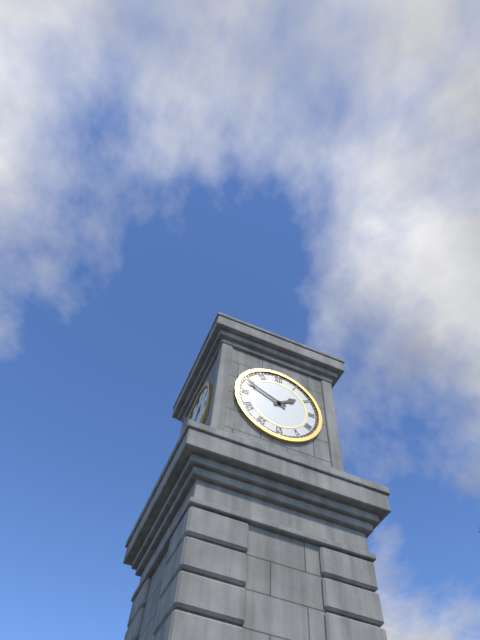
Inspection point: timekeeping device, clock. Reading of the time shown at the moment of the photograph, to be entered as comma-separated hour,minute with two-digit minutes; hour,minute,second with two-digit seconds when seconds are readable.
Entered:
1,49
